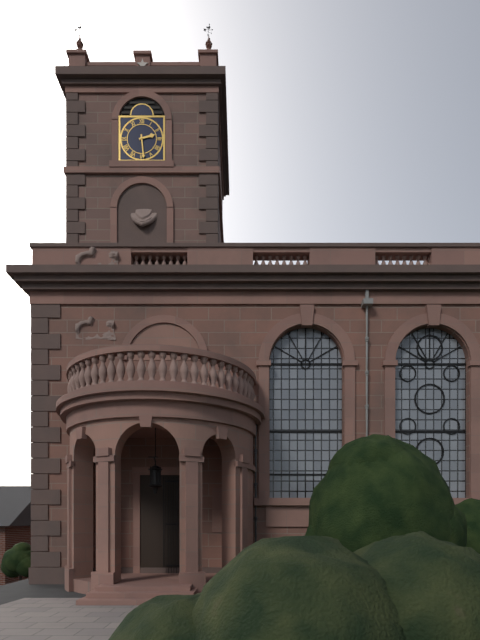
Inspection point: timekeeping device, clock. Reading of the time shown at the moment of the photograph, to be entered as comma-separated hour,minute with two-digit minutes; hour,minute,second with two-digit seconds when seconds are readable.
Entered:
2,29
